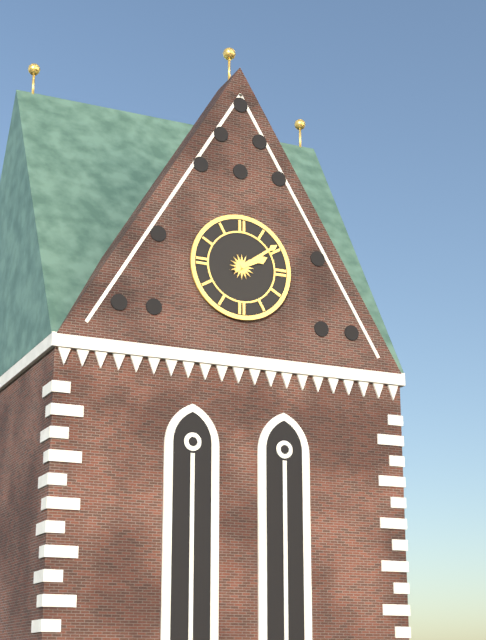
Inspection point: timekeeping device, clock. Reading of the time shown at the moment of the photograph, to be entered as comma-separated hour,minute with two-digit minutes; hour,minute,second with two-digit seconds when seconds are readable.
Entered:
2,09
